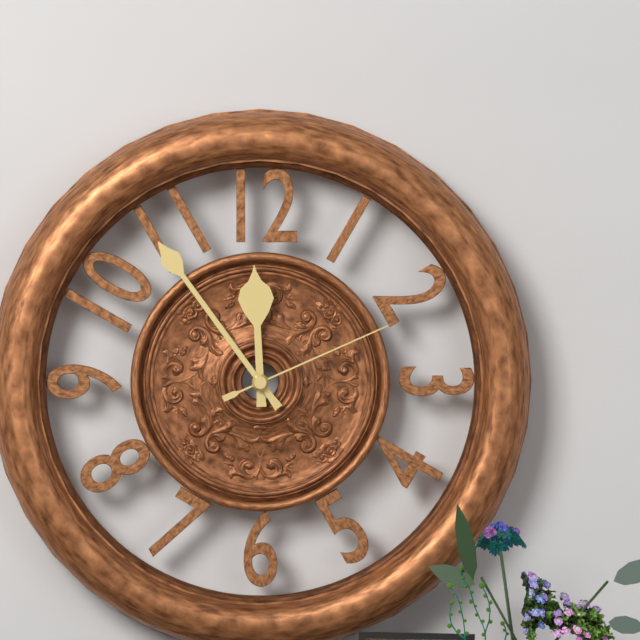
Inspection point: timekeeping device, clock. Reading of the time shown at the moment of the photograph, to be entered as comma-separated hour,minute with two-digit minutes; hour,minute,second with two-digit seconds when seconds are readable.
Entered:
11,54,11
